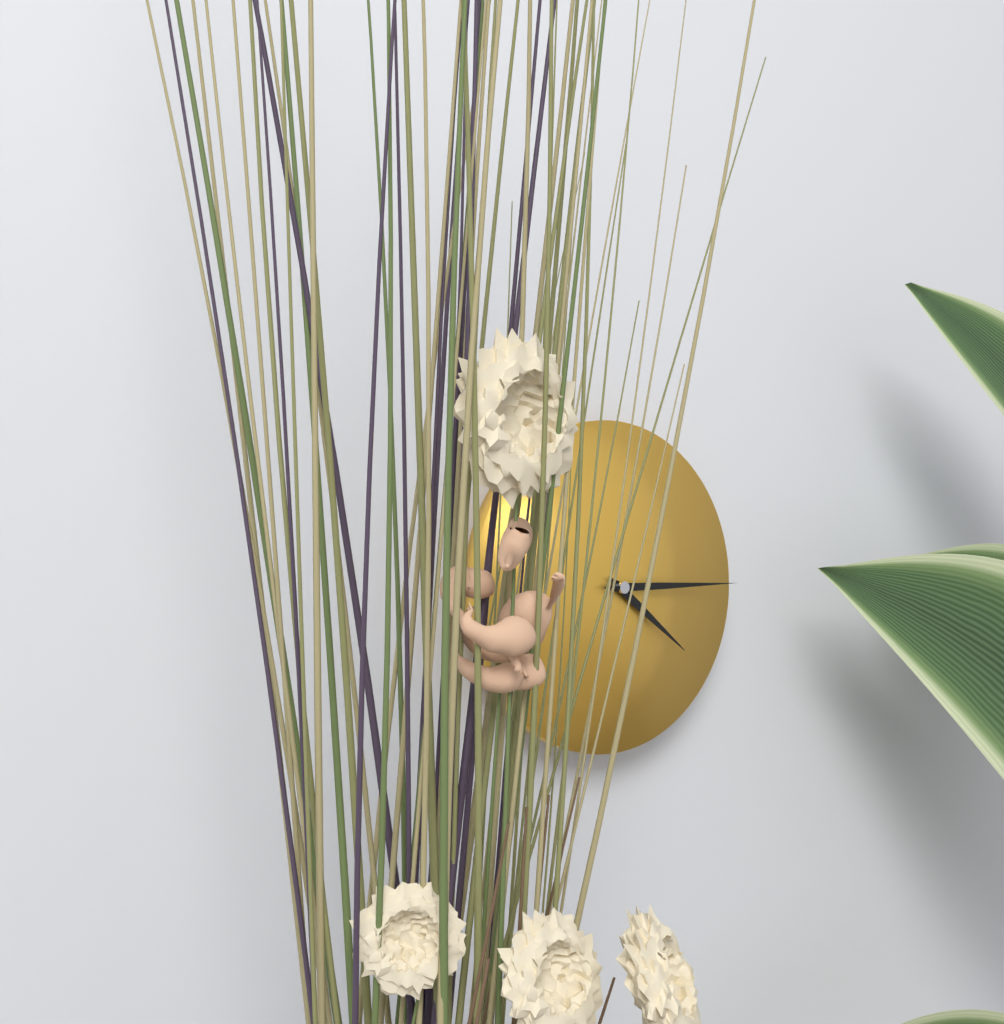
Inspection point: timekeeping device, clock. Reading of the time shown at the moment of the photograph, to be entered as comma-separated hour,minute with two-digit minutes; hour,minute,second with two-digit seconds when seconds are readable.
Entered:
4,15
